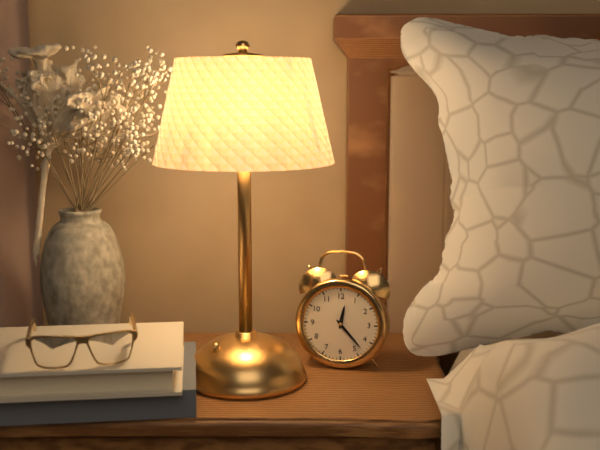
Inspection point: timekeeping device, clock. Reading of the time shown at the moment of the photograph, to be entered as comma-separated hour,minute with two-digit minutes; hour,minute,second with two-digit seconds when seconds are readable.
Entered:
12,23
